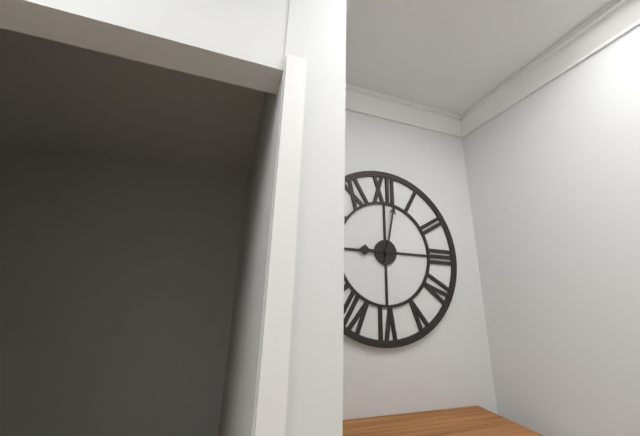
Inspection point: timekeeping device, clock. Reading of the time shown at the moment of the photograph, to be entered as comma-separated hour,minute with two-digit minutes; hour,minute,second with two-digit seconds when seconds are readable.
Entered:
9,02
